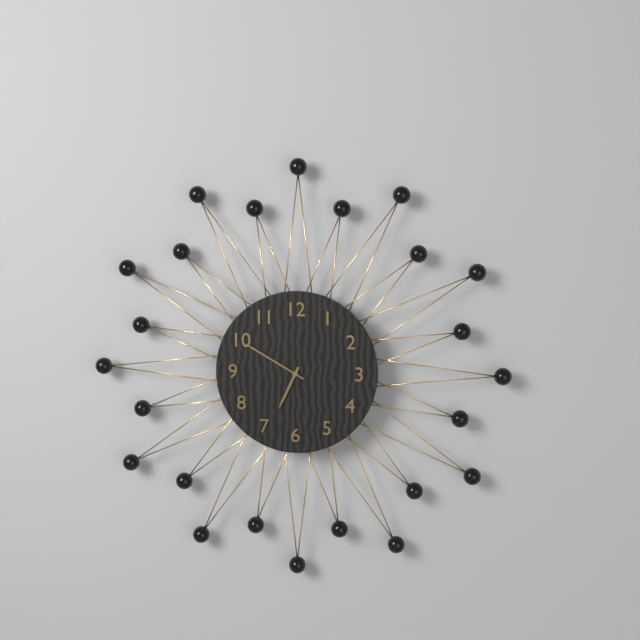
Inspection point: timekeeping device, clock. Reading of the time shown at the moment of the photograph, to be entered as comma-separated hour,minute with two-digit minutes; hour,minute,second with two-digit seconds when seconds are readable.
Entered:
6,50
